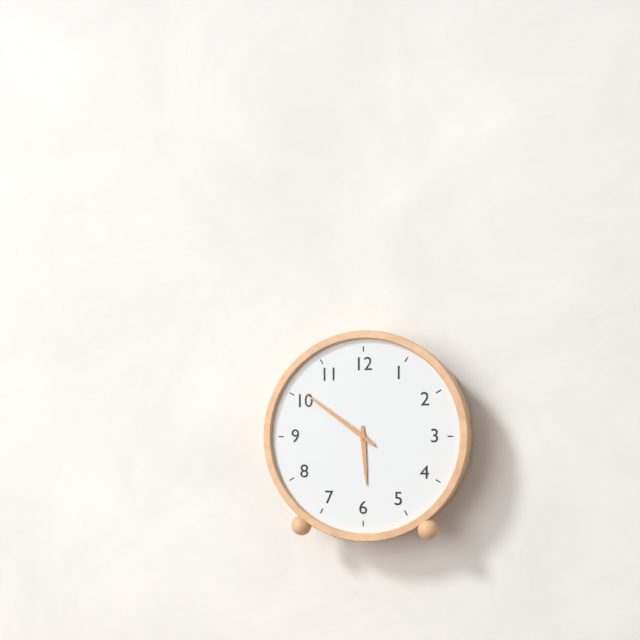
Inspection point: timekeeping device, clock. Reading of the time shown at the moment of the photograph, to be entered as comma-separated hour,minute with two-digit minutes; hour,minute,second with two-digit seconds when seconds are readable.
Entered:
5,51
